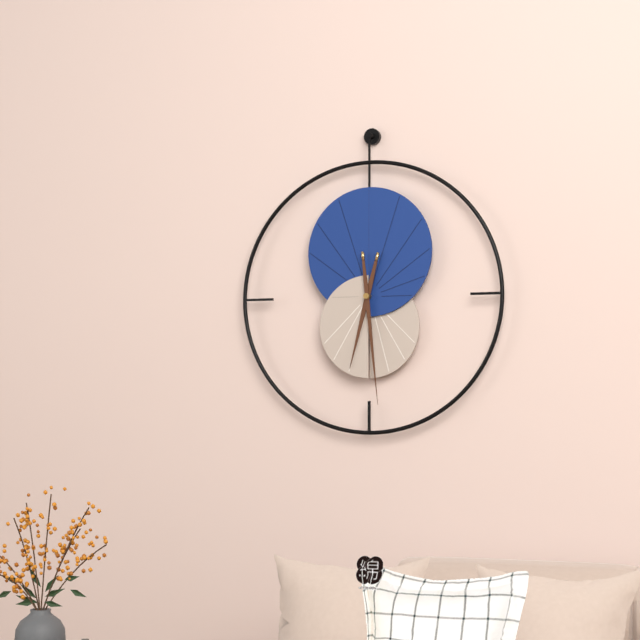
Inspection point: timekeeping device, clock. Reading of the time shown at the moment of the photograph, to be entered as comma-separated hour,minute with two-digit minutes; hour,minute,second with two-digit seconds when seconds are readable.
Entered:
6,29
